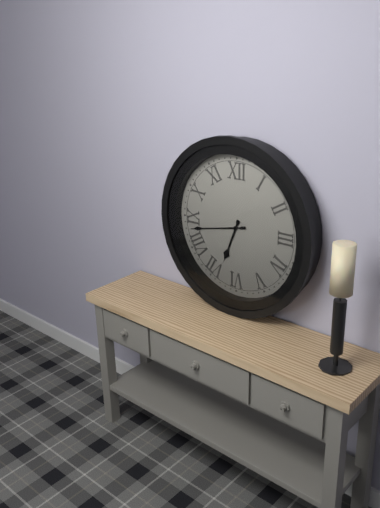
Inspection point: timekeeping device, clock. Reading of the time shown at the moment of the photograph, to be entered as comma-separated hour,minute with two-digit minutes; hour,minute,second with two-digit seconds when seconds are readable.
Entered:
6,43
